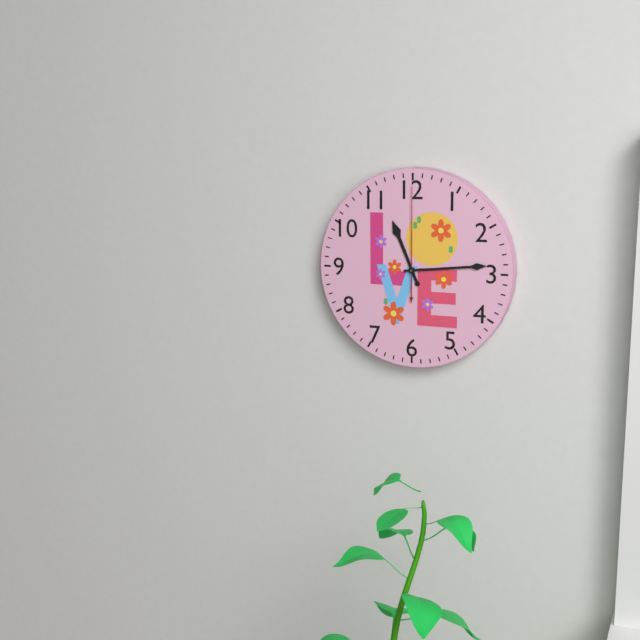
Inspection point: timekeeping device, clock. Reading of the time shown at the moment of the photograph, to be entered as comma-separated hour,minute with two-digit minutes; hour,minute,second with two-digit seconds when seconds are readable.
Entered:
11,14,00
